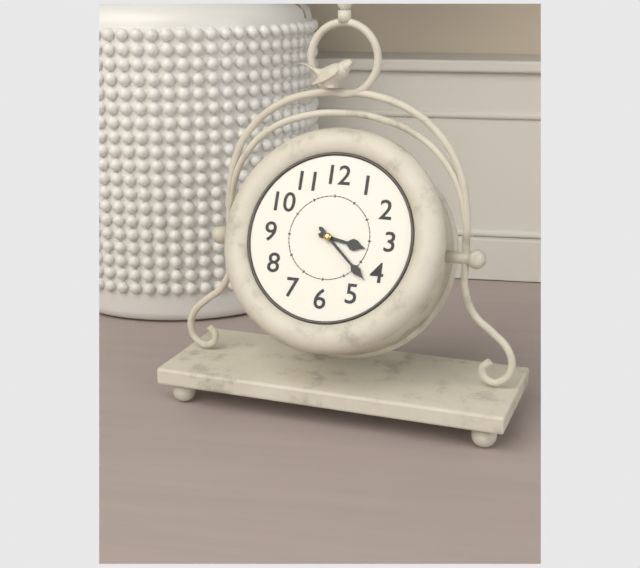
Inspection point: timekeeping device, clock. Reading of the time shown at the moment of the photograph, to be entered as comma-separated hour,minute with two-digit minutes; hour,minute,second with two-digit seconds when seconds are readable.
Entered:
3,22
